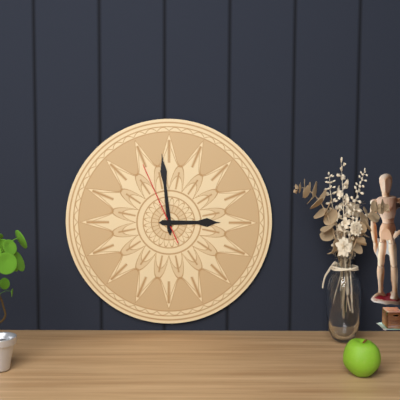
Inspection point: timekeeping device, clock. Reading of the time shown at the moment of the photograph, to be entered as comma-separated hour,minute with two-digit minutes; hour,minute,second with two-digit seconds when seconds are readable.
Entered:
2,59,56
